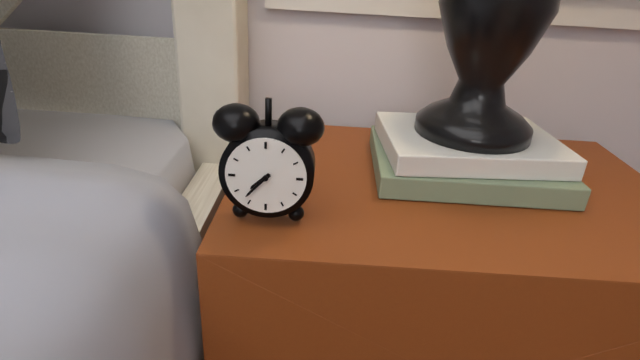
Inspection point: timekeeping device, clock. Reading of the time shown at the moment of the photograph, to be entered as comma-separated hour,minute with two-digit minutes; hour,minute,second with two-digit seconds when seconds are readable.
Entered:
7,37
